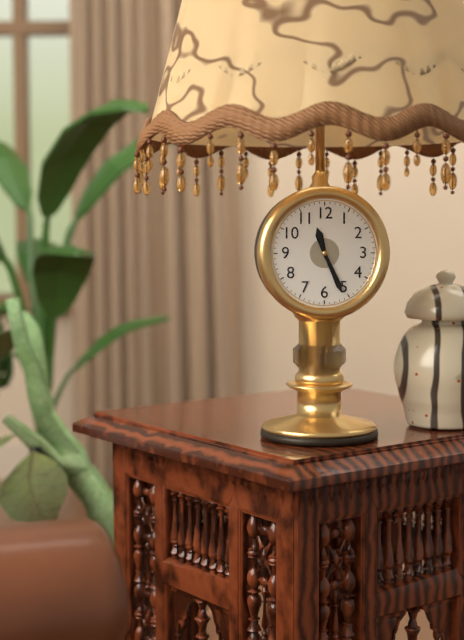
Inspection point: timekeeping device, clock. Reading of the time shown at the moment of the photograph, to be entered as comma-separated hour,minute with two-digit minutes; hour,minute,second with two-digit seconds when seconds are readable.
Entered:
11,26
